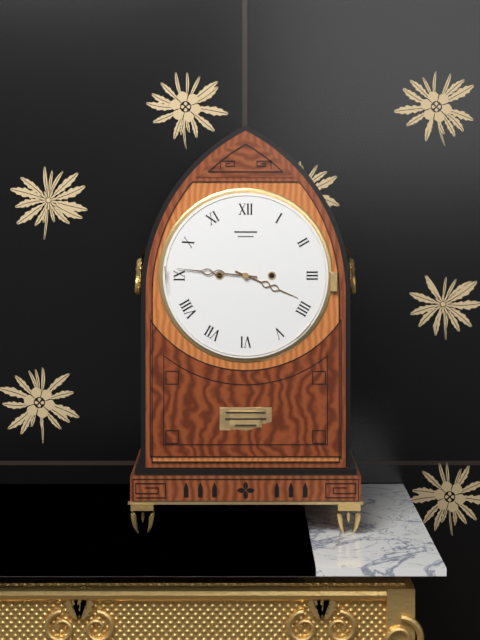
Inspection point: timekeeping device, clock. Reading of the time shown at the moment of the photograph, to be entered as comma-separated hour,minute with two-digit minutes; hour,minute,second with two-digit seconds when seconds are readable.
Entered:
3,46
